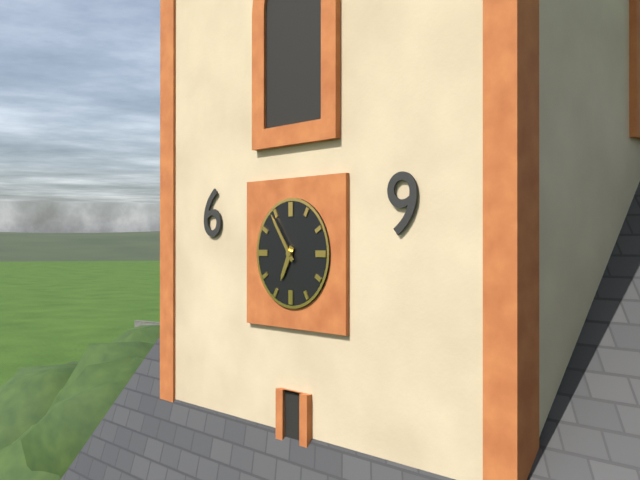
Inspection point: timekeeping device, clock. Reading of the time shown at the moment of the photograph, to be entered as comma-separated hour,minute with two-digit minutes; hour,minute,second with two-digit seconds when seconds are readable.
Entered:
6,54
